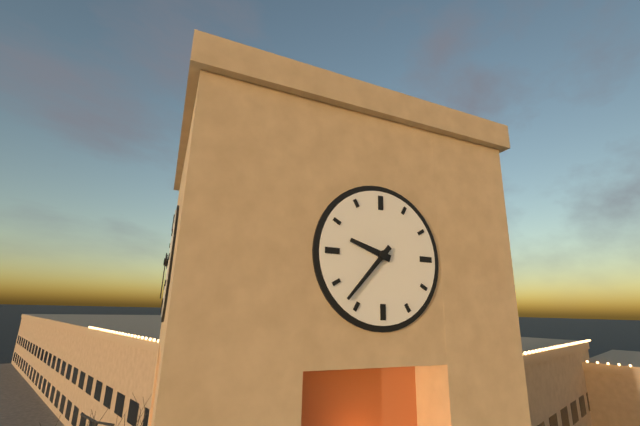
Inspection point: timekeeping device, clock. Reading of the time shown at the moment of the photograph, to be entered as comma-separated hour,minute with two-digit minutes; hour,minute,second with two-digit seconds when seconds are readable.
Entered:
9,37
